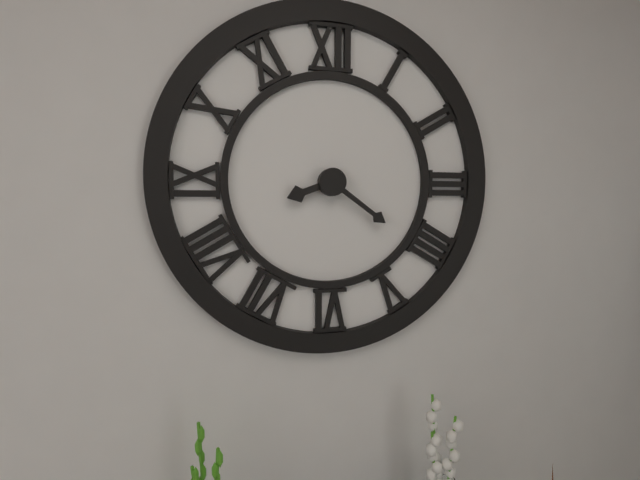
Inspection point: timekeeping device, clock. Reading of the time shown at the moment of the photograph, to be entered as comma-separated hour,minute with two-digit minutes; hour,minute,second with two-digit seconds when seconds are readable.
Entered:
8,21
